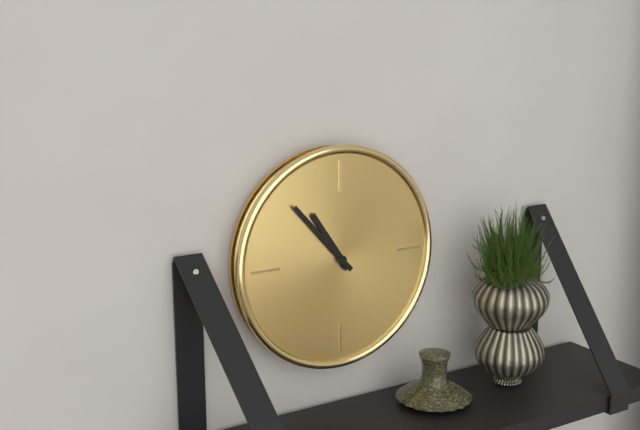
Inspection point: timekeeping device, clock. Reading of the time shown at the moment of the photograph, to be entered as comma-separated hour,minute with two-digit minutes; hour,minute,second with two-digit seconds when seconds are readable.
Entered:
10,53
